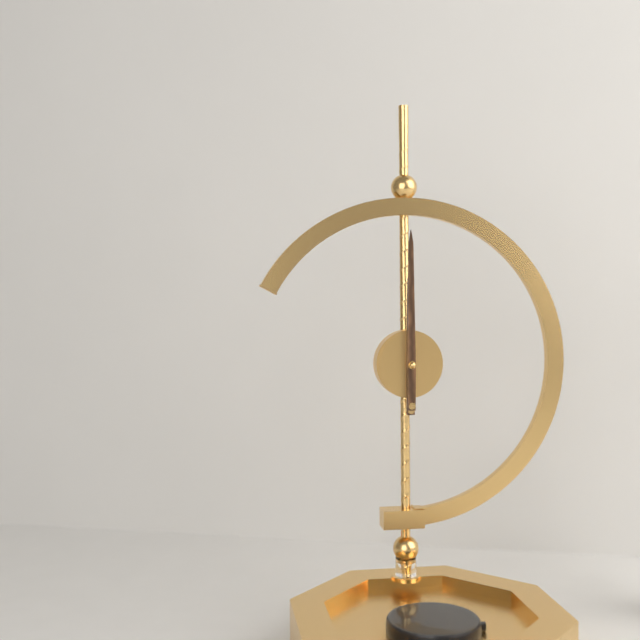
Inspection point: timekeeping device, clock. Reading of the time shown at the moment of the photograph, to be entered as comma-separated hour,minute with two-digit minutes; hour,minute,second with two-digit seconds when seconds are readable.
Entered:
12,00
